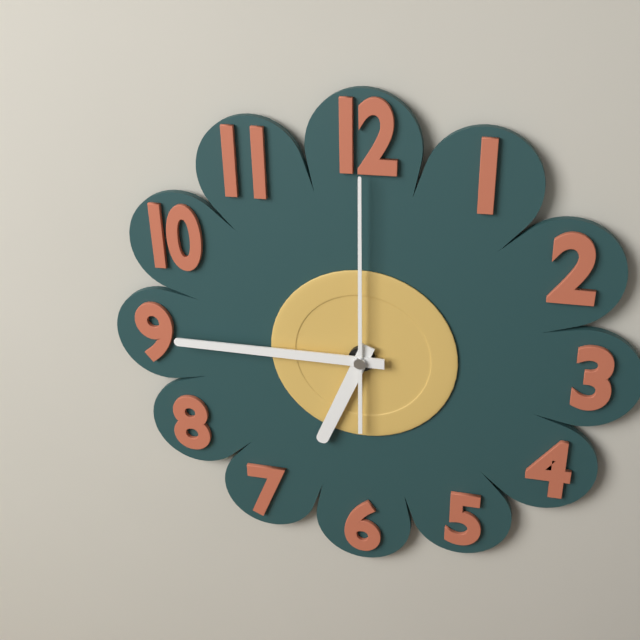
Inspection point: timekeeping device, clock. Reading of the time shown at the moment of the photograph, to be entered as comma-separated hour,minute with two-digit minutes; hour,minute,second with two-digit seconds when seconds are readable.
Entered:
6,45,00
